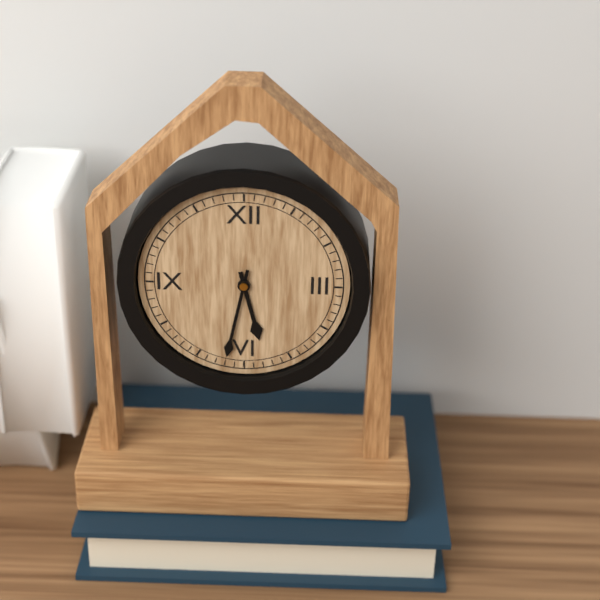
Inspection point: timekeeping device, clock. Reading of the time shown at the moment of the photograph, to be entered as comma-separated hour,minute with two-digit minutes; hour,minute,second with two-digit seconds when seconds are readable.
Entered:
5,32
